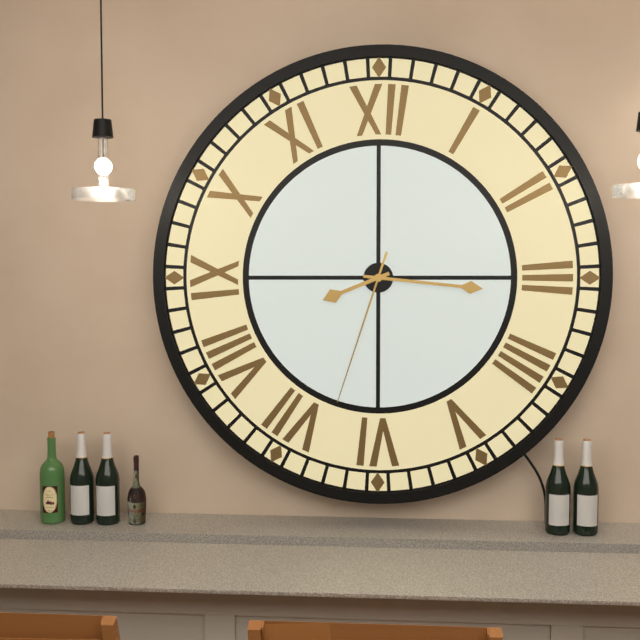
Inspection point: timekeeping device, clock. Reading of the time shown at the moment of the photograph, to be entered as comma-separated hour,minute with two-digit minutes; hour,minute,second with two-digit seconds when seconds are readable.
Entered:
8,16,33
